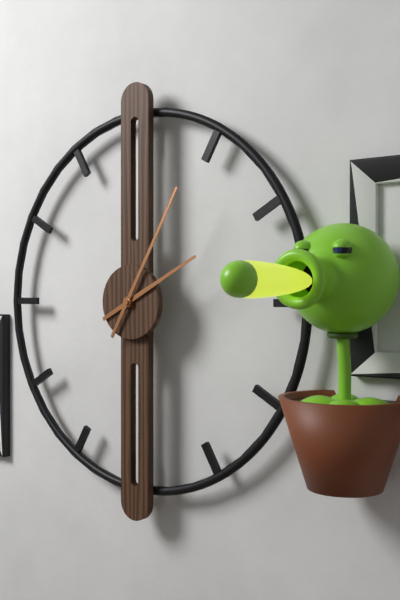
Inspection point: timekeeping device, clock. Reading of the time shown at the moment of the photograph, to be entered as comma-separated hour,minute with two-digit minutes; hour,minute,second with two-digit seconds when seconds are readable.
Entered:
2,05
